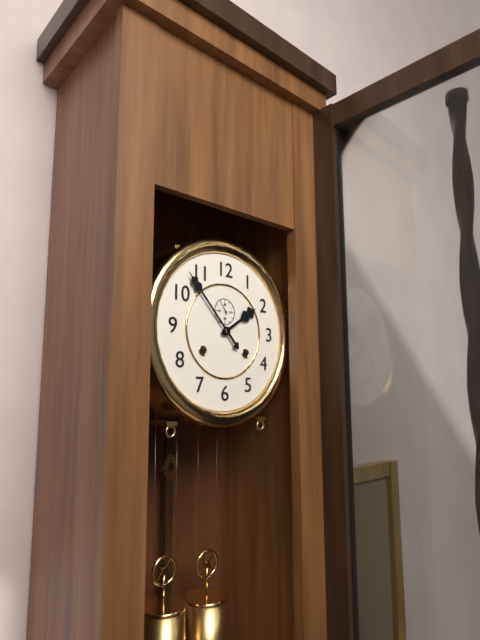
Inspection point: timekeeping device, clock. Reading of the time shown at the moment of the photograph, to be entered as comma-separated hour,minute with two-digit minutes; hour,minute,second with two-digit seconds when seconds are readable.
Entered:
1,53
